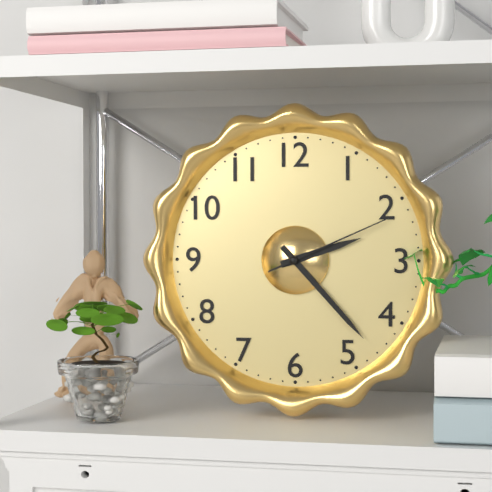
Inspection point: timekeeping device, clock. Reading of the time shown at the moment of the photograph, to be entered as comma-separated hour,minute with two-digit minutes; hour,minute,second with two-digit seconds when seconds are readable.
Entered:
2,23,11
